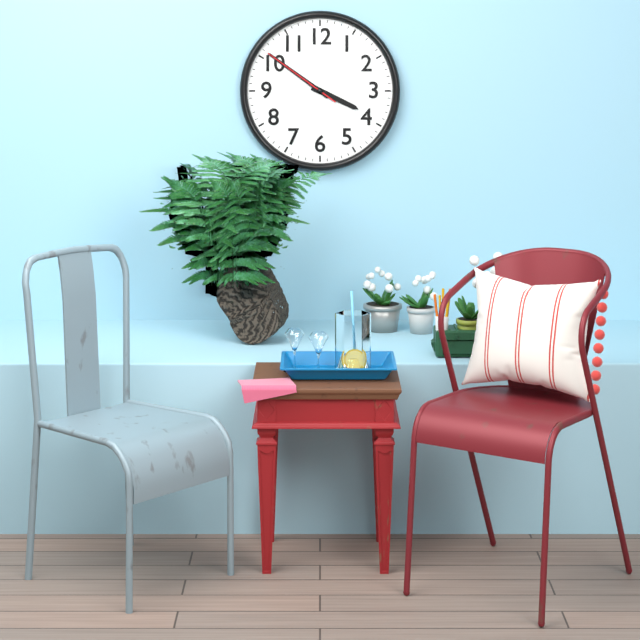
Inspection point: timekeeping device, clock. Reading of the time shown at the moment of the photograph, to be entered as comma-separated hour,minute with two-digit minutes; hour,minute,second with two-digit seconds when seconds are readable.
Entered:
3,51,51
